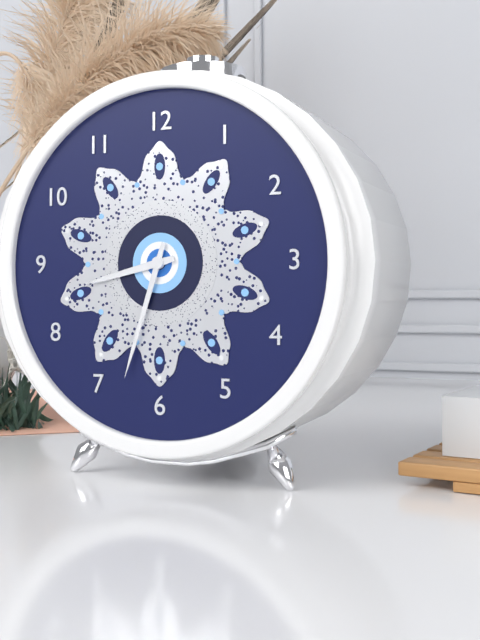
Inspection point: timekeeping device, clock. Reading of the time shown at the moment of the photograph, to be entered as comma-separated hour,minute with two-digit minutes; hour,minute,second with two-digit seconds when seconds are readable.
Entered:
8,33
